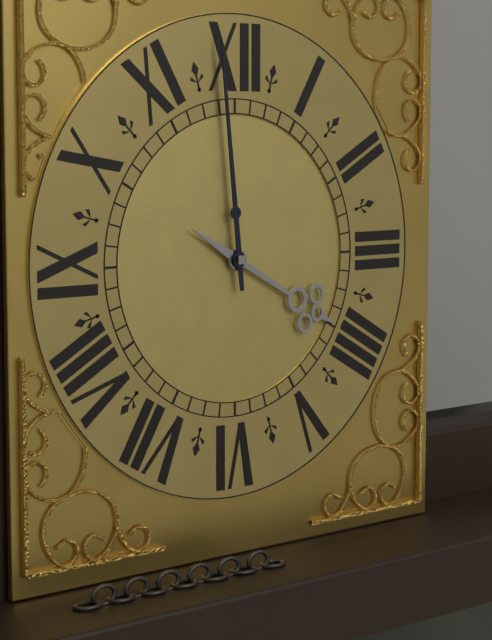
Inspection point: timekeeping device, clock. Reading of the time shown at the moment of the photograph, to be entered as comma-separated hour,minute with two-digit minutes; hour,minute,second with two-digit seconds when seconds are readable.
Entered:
3,59
